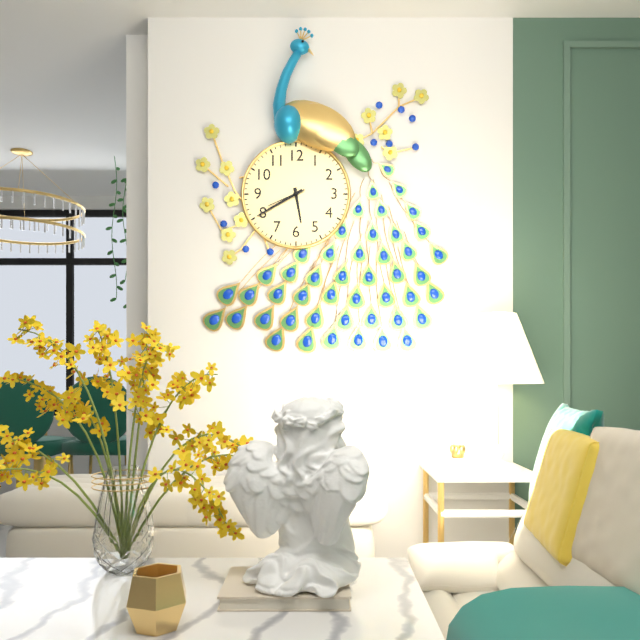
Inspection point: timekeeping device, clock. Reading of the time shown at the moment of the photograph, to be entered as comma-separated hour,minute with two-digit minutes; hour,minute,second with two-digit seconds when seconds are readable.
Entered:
5,40
